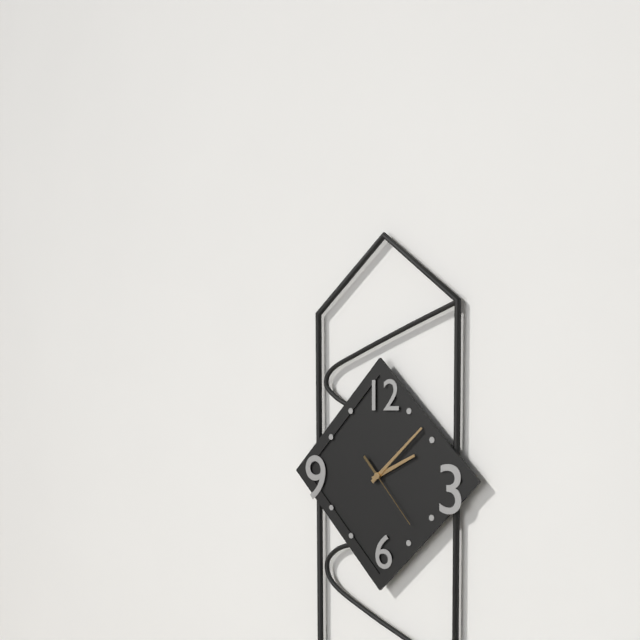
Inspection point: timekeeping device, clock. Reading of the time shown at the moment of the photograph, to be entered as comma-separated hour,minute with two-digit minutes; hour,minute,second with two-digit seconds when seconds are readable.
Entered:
2,08,23
